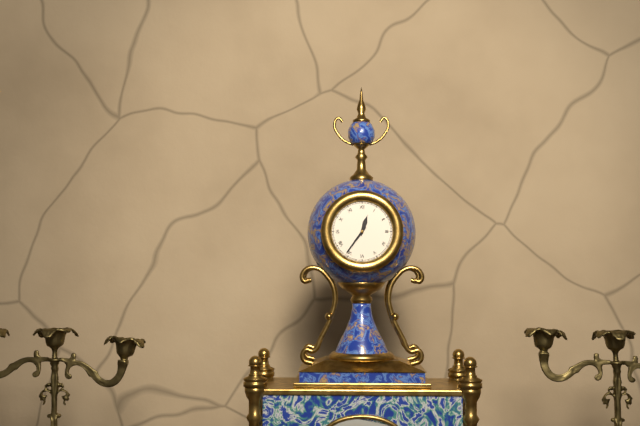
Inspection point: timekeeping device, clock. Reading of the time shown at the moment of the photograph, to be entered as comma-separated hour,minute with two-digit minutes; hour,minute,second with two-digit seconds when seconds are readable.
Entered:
12,36
